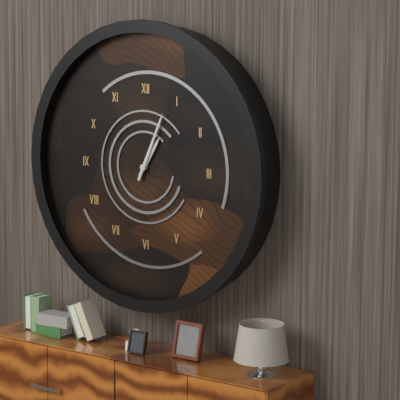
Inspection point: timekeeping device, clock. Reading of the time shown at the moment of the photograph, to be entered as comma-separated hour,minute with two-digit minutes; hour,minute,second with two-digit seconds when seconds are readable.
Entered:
1,04
